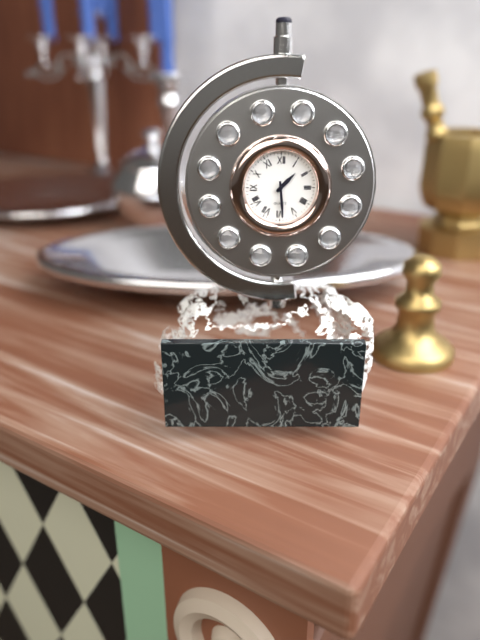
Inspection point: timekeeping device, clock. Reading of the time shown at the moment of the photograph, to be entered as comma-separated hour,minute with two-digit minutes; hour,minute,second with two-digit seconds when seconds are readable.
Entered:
1,29
